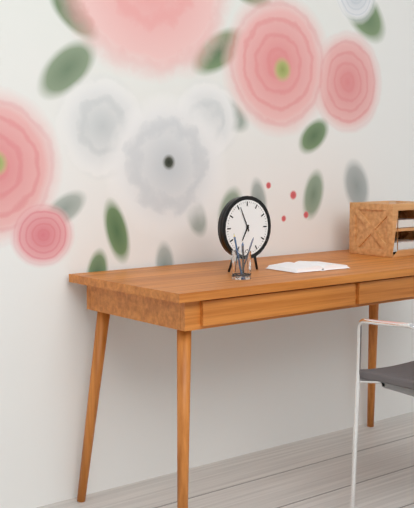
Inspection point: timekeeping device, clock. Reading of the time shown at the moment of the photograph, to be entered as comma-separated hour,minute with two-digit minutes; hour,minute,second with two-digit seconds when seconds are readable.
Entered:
6,56
